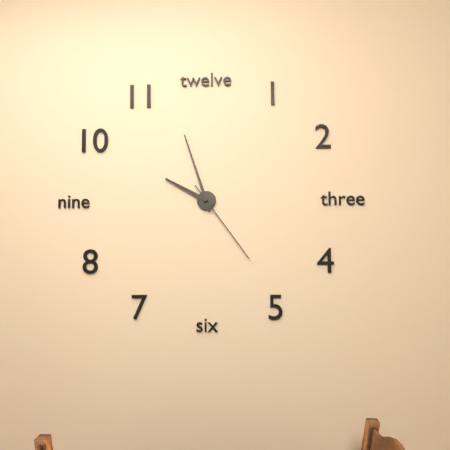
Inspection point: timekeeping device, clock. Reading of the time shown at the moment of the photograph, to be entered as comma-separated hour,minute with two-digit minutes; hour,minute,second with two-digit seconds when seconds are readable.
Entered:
9,57,24
